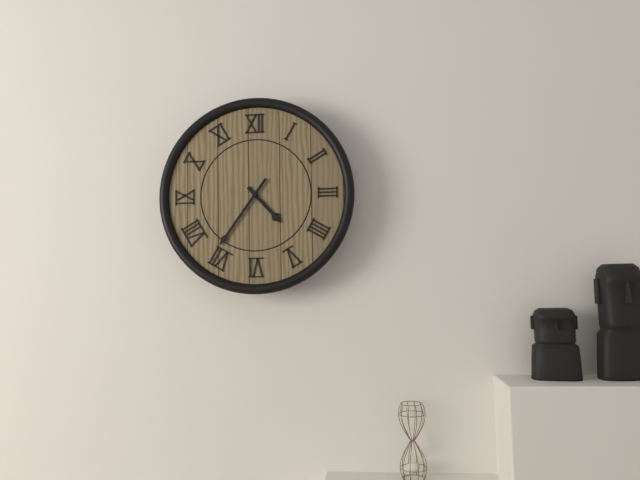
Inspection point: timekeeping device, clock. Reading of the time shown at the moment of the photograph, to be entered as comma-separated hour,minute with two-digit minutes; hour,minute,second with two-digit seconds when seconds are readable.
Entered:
4,36
